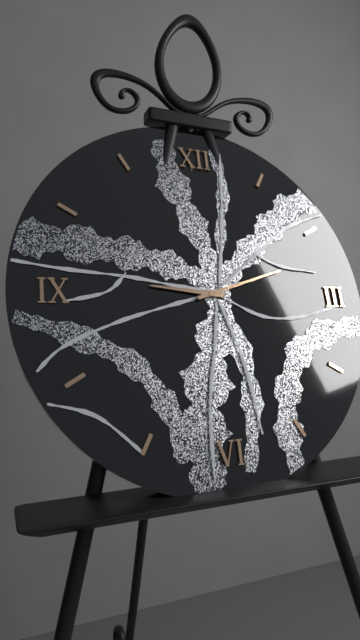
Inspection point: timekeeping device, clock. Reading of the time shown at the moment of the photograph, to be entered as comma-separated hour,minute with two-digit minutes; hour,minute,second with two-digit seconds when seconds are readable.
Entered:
9,12
